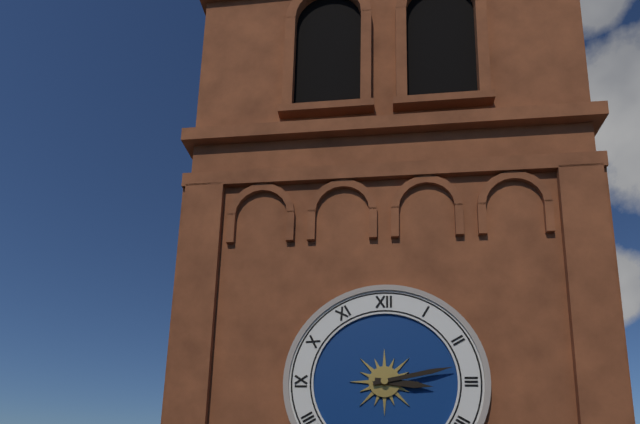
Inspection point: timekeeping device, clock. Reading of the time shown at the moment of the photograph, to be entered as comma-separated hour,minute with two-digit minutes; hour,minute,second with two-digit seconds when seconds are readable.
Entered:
3,13
